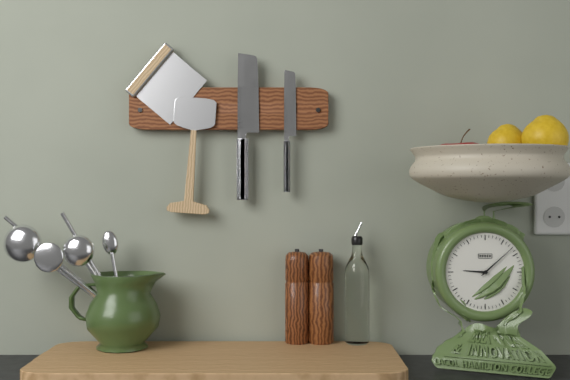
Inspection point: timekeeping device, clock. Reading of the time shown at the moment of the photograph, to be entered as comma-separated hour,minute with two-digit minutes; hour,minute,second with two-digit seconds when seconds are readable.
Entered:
9,08
